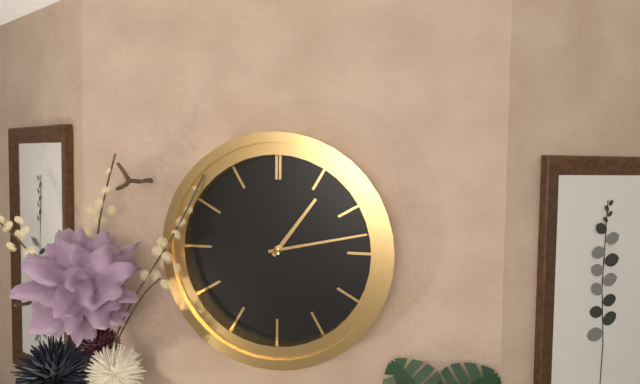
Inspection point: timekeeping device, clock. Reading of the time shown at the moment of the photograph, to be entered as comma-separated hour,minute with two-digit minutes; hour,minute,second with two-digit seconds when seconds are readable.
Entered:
1,13
